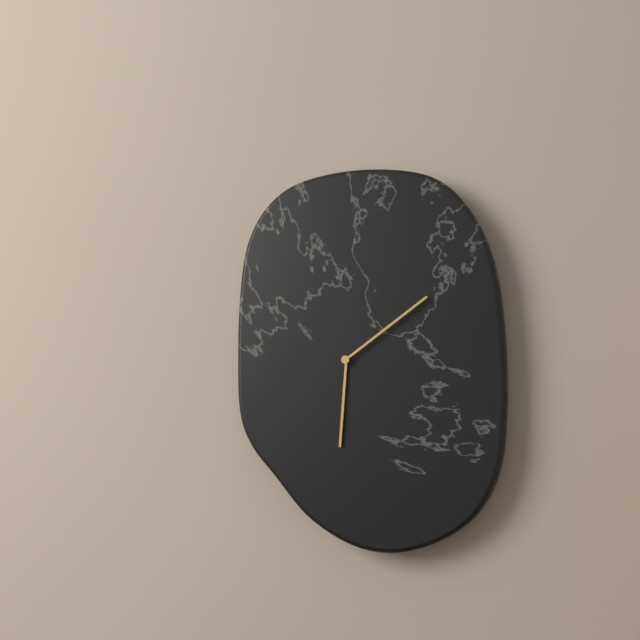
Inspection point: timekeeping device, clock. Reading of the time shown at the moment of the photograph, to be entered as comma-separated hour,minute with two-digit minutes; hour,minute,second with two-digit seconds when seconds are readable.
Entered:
6,09
